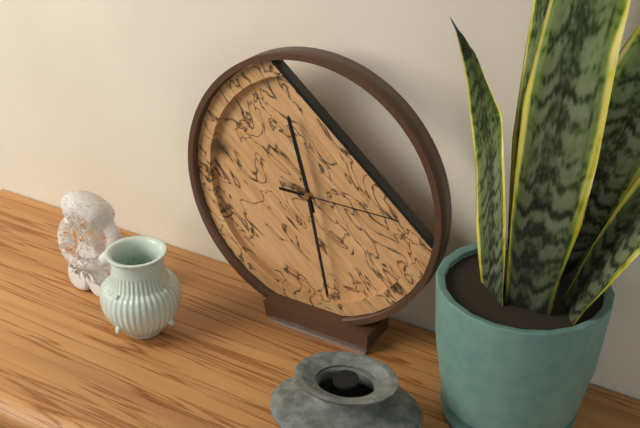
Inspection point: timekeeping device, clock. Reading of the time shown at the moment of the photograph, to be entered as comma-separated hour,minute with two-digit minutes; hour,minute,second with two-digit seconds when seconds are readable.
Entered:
11,28,15
